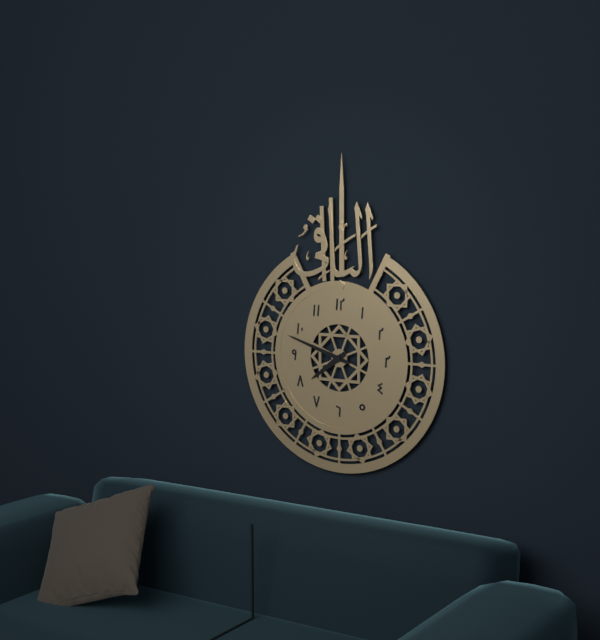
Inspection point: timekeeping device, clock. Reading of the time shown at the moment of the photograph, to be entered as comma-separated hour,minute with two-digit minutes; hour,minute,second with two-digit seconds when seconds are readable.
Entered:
7,48
